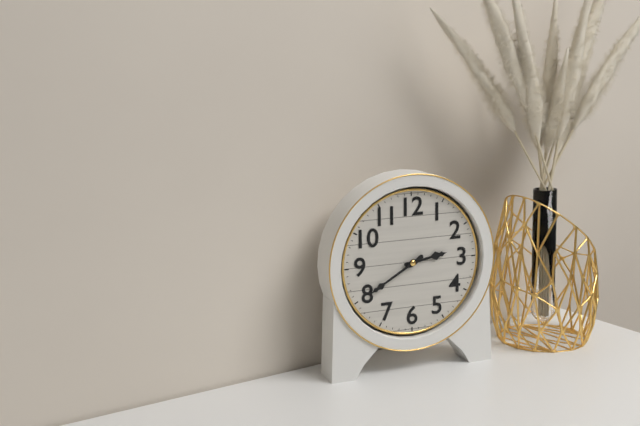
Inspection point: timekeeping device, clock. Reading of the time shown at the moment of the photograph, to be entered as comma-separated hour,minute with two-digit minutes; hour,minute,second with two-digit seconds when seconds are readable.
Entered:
2,40
